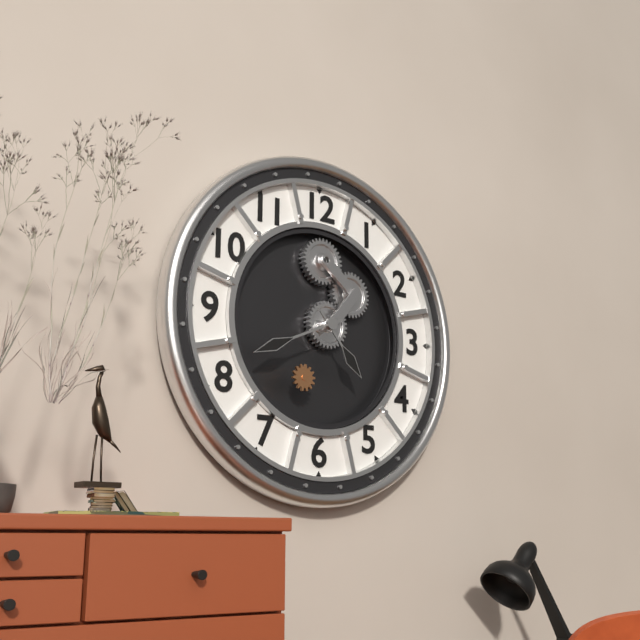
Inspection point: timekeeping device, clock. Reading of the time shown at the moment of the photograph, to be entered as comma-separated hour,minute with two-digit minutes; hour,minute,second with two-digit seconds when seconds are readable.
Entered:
4,41
